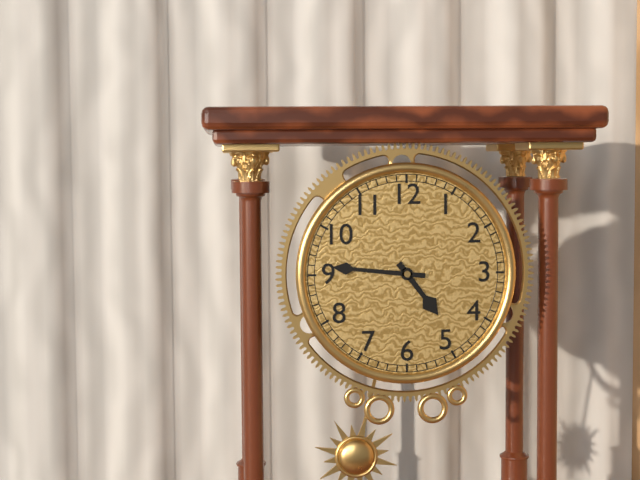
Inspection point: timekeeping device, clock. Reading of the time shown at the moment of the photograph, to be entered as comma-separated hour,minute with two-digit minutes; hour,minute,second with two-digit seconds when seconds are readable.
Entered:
4,46
